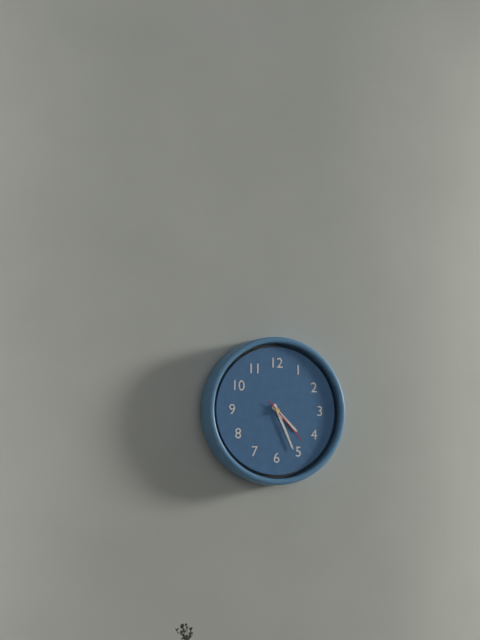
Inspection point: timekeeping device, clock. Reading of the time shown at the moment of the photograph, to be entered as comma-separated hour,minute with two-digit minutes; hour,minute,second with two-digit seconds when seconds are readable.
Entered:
4,26
